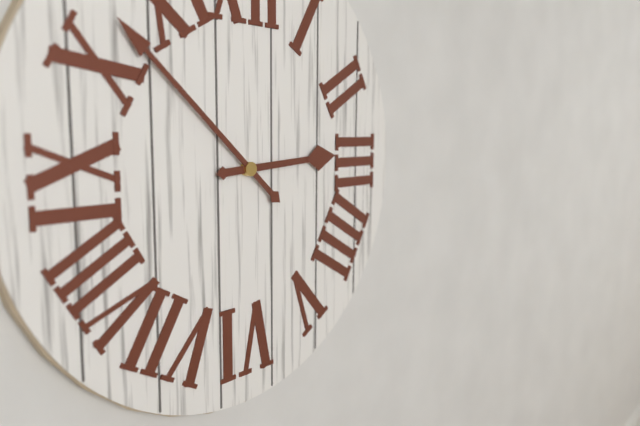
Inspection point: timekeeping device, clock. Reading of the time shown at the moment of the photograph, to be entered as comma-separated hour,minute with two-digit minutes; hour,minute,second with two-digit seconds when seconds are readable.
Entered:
2,52
